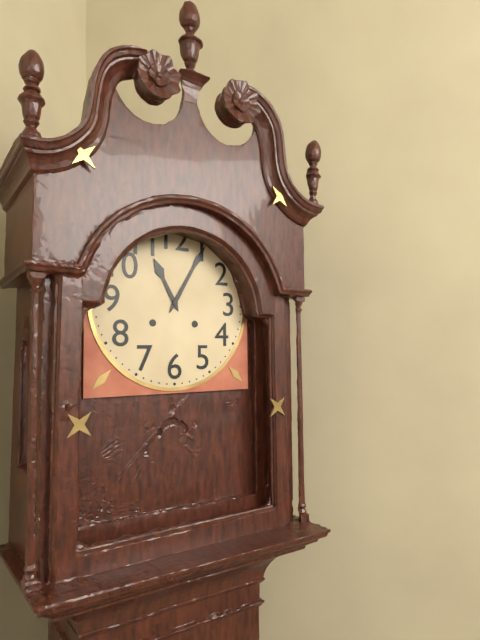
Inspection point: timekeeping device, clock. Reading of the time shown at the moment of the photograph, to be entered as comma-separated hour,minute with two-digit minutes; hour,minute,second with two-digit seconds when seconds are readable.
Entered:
11,05
